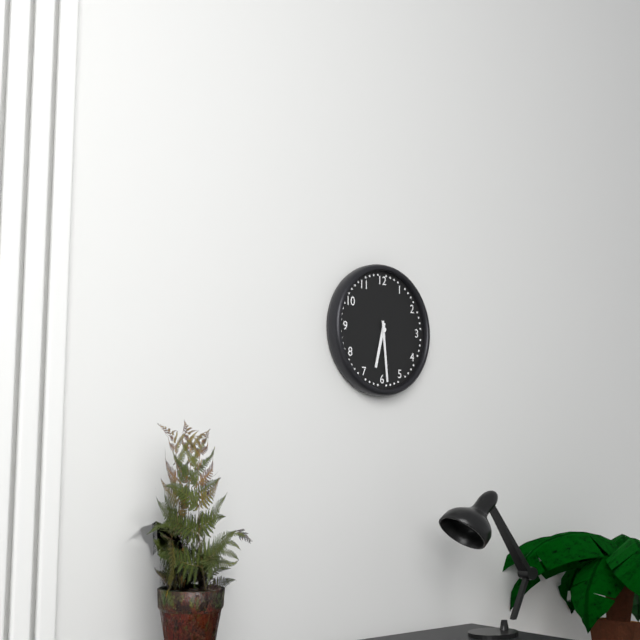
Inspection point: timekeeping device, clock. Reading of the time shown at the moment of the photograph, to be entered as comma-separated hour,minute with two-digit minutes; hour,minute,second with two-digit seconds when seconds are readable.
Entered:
6,29
